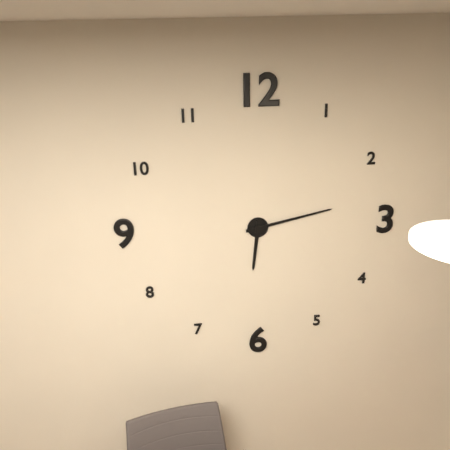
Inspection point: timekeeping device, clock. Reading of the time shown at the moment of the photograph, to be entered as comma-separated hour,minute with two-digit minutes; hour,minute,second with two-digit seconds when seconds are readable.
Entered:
6,13
